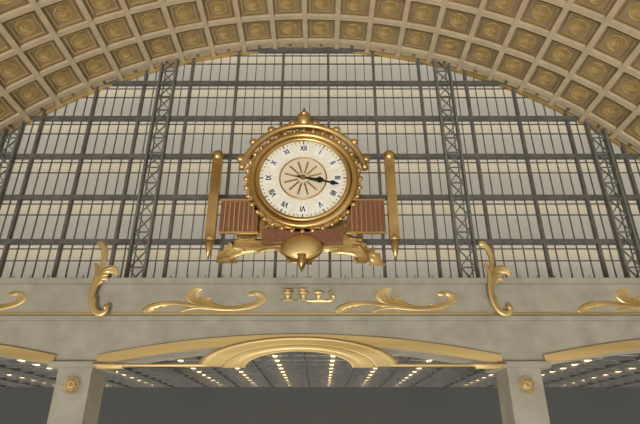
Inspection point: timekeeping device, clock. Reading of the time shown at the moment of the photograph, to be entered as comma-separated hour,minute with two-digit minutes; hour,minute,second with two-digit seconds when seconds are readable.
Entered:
3,17
